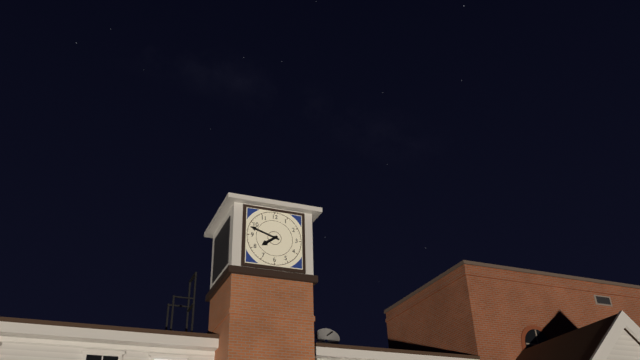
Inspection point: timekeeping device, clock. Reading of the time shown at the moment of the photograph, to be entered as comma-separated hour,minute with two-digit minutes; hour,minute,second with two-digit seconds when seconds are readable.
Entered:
7,48
